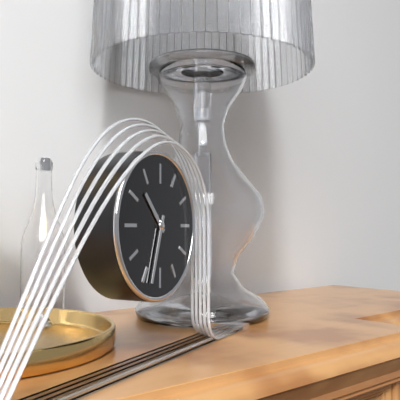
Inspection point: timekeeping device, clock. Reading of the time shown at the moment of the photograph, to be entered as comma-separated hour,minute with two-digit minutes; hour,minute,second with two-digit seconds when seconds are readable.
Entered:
10,33
